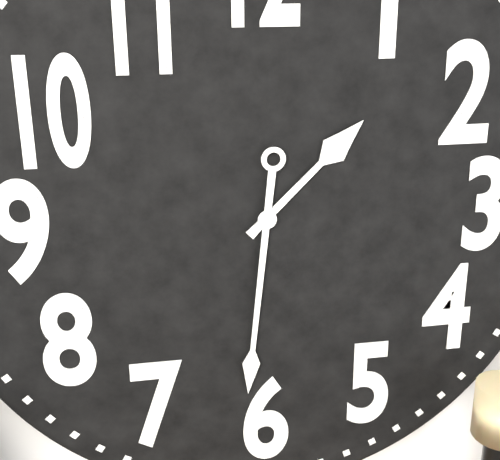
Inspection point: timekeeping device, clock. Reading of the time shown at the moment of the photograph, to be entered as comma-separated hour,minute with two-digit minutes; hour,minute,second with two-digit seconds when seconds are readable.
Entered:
1,31
